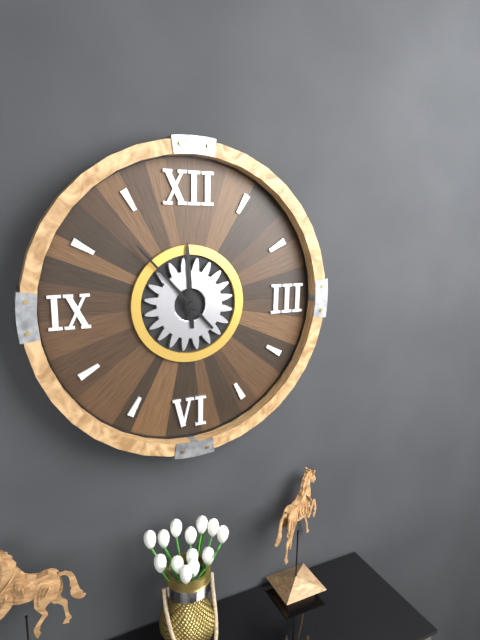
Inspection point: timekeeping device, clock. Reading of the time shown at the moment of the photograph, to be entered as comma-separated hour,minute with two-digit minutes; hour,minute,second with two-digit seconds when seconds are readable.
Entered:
11,53
